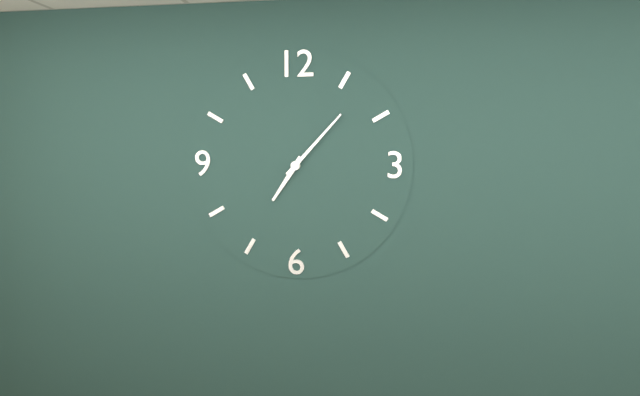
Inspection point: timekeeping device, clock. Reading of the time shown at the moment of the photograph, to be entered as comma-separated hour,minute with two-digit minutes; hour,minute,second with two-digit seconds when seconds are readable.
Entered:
7,07
